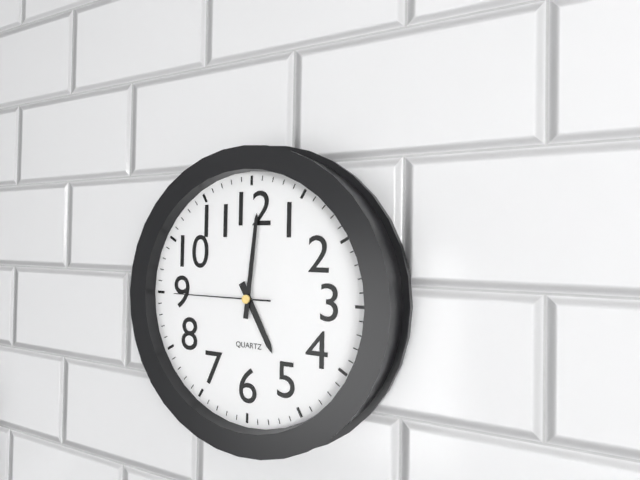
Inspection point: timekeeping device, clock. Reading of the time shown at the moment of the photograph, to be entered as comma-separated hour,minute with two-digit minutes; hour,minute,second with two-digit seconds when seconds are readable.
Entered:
5,01,45
